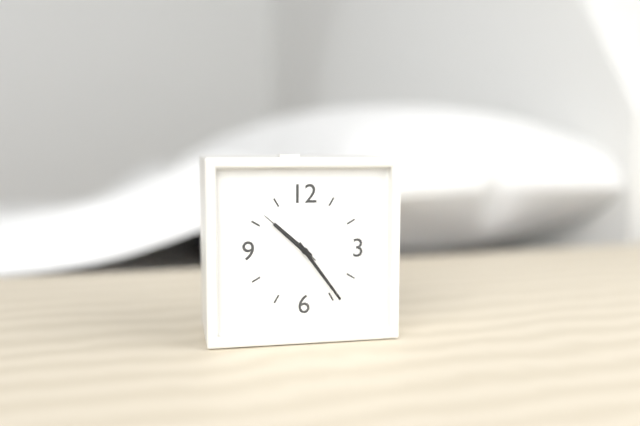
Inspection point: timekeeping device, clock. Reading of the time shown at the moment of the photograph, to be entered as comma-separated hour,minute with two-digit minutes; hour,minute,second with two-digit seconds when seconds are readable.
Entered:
10,24,52
